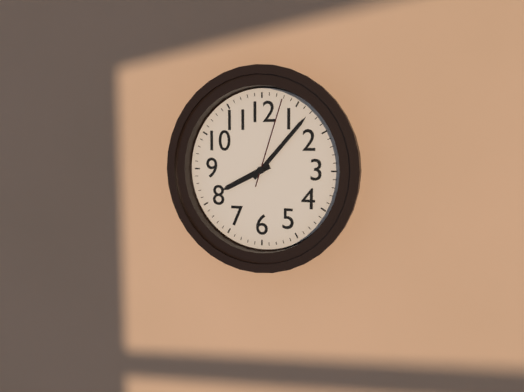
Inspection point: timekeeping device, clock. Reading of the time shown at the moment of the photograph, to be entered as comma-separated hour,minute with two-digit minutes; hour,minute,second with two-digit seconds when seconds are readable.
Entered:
8,07,03
